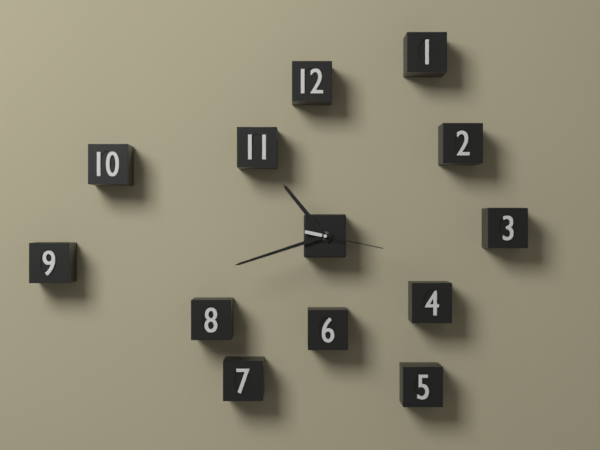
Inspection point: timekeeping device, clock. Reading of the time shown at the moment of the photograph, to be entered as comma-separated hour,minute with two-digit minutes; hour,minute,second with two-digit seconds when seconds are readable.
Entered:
10,42,17
